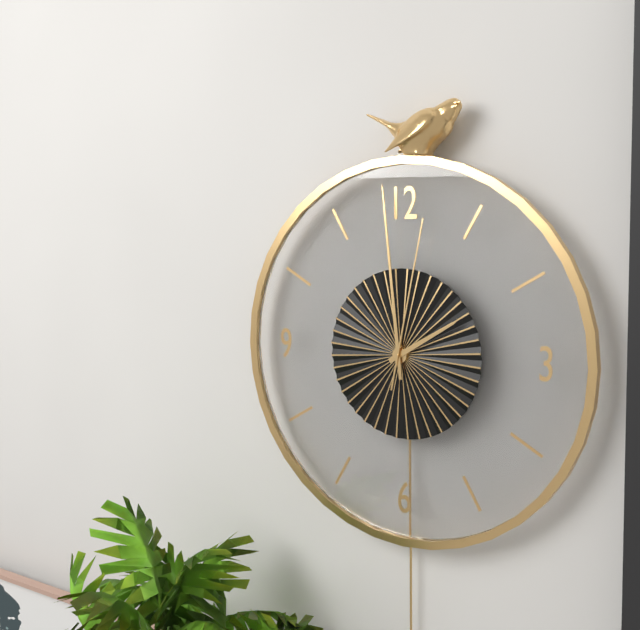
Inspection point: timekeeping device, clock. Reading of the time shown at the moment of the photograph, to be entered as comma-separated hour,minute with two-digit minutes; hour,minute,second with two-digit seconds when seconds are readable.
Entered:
1,59,02
